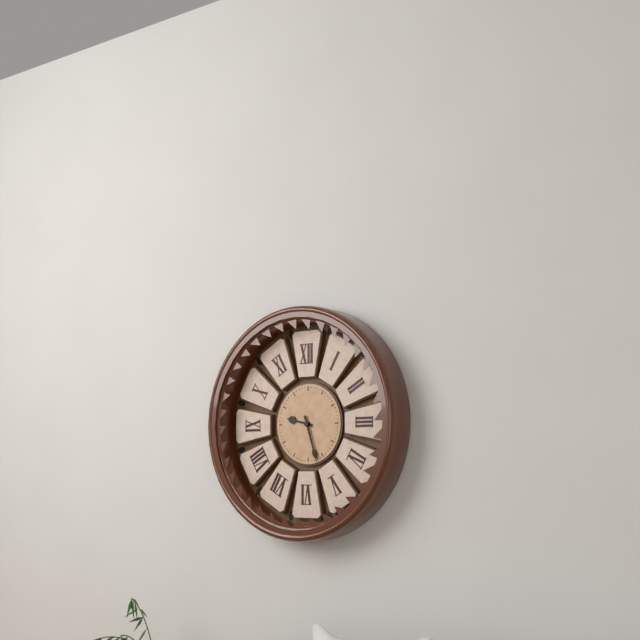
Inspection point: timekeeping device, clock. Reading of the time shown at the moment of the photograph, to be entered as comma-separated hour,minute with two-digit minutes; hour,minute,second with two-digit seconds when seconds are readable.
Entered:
9,27
